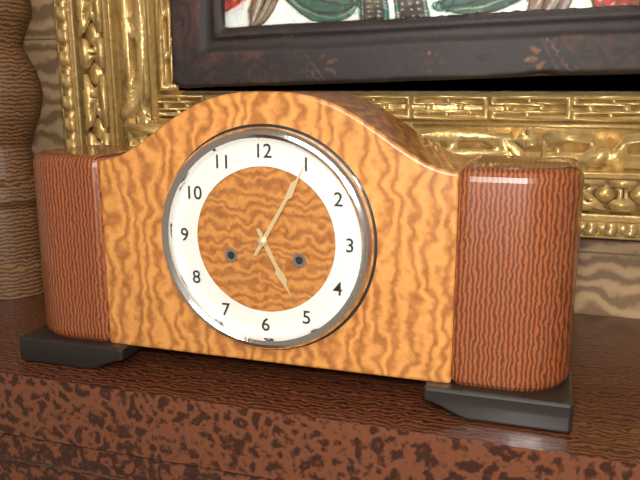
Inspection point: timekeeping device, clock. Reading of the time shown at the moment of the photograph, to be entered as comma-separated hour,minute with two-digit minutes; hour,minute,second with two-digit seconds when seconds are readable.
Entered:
5,05
